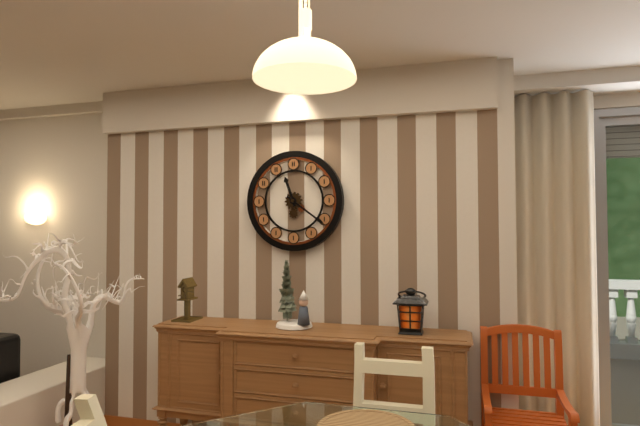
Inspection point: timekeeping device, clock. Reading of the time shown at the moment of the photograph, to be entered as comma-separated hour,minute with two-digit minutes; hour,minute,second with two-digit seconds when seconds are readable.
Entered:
11,21
